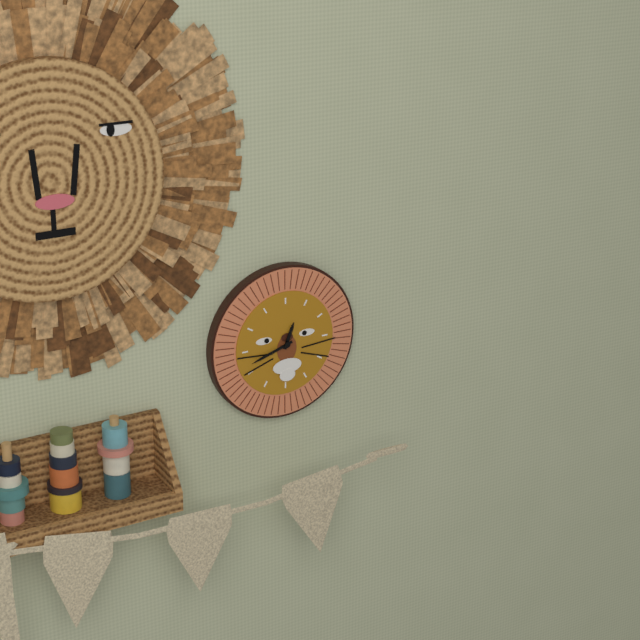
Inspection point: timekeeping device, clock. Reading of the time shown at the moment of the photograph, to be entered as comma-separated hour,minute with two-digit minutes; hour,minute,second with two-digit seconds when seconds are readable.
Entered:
12,42
